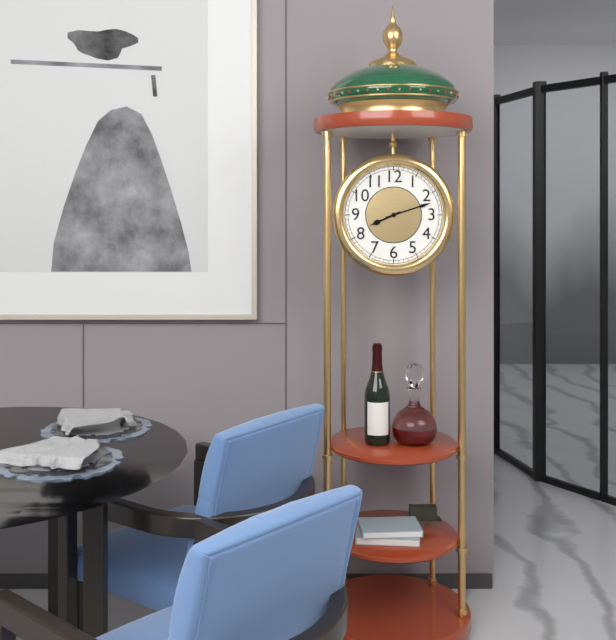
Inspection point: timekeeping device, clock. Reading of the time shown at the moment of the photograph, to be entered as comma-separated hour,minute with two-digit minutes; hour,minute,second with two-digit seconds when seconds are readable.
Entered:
8,12
